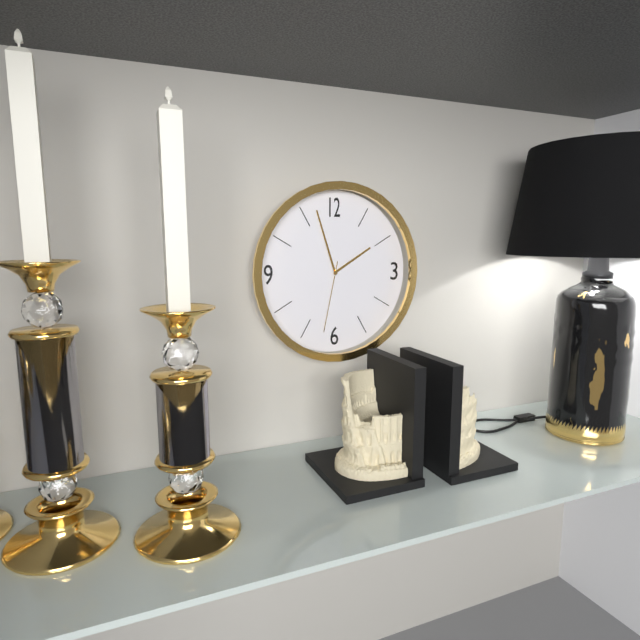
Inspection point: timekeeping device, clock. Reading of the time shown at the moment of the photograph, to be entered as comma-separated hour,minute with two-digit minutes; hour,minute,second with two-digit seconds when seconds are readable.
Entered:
1,57,32
